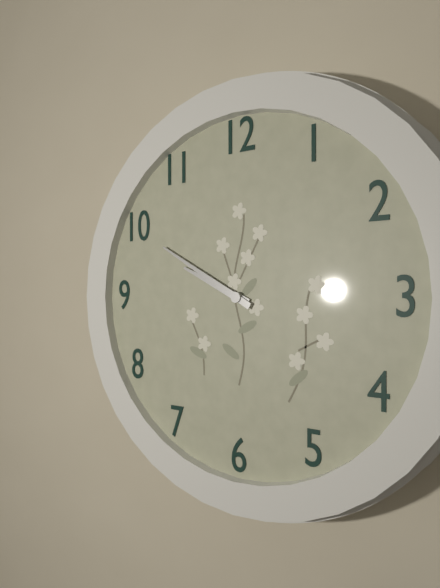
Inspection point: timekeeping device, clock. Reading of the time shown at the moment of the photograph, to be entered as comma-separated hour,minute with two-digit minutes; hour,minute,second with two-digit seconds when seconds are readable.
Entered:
9,50
